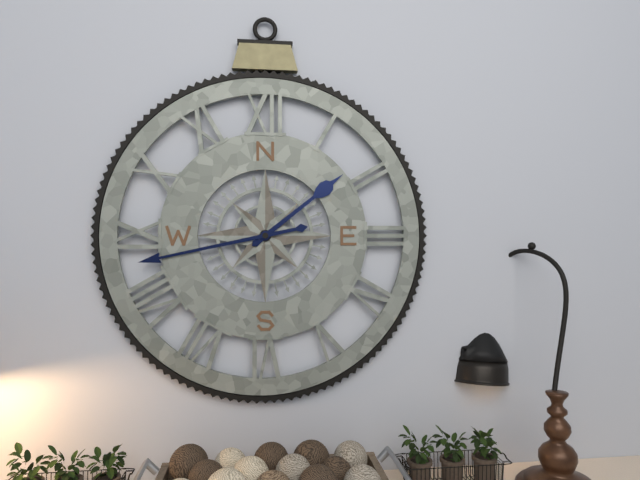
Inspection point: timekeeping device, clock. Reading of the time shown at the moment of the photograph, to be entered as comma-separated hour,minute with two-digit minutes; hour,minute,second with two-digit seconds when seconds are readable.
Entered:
1,43
